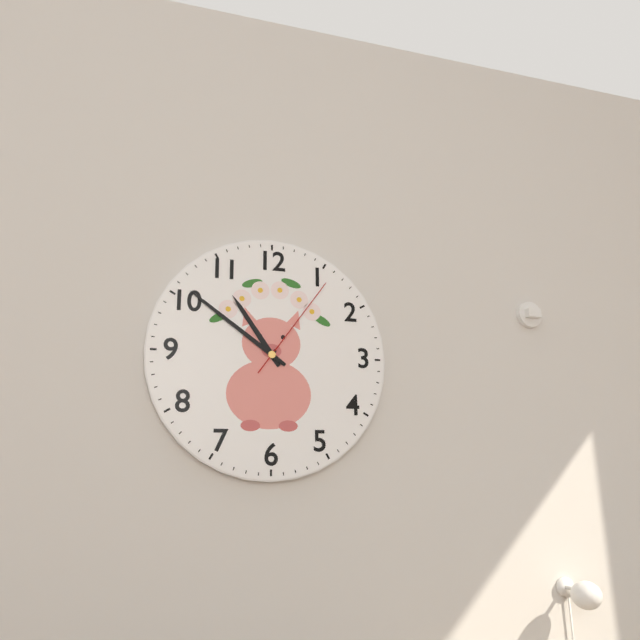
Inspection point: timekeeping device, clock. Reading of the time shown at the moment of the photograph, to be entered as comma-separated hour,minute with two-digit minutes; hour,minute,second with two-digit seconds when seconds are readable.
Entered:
10,51,06
